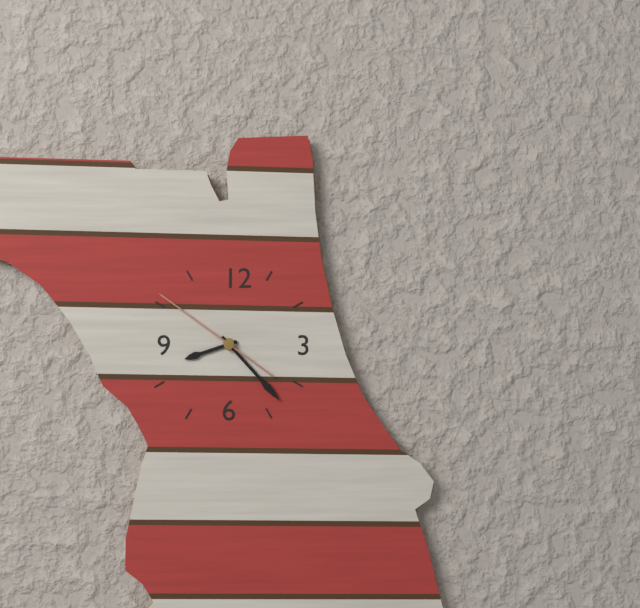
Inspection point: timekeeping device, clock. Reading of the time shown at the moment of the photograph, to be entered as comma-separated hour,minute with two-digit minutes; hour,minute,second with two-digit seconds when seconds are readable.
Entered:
8,23,51
